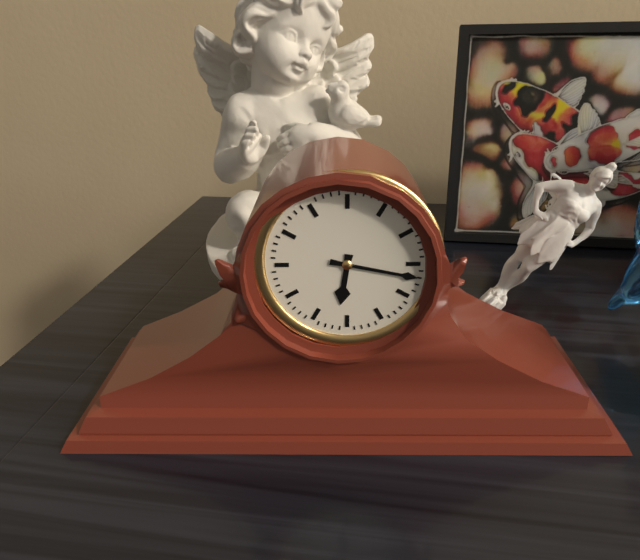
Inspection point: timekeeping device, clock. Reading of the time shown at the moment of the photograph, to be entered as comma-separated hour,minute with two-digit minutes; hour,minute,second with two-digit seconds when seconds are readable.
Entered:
6,17
